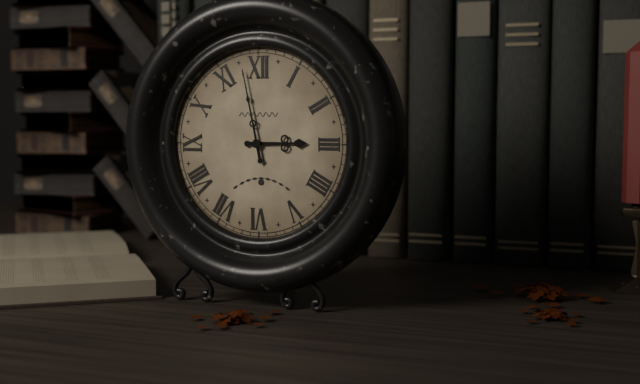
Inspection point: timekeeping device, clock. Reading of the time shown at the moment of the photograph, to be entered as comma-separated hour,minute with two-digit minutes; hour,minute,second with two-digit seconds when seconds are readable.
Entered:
2,58
